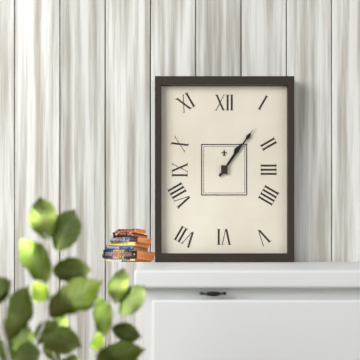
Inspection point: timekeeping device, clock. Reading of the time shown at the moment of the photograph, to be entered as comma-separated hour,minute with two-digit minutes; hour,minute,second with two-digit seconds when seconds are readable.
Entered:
1,06
